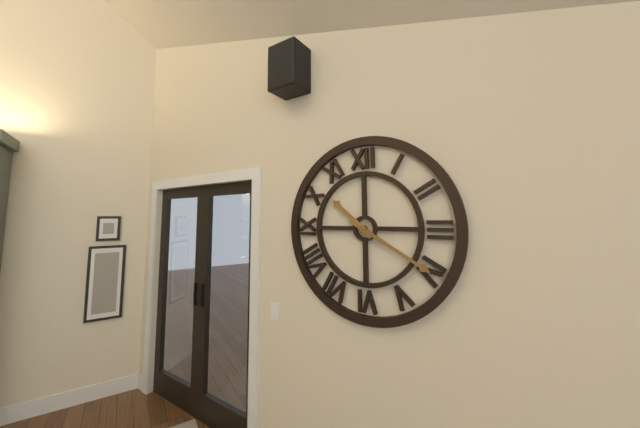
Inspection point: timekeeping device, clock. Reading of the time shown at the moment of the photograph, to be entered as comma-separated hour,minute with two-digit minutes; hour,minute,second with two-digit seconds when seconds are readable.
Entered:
10,20
